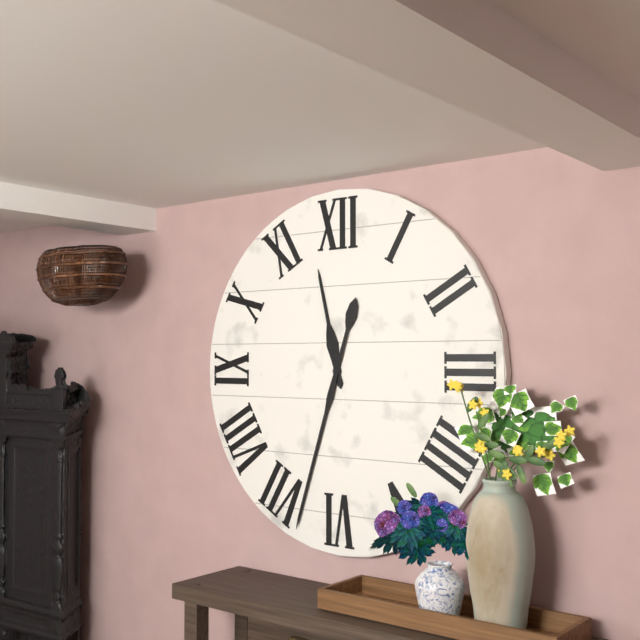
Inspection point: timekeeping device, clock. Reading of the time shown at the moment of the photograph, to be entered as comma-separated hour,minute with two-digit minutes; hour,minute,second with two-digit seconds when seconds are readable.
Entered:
11,33
